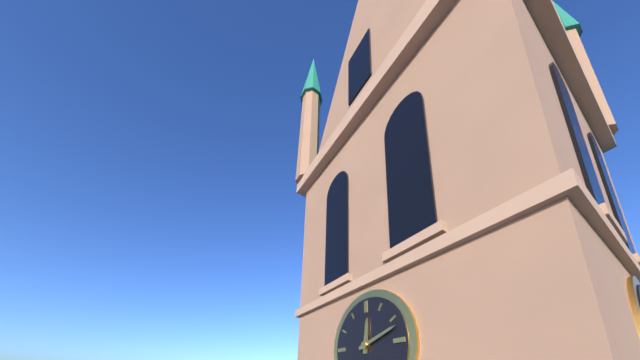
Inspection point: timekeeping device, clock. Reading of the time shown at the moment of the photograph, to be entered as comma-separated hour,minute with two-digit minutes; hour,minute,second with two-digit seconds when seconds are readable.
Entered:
12,12
